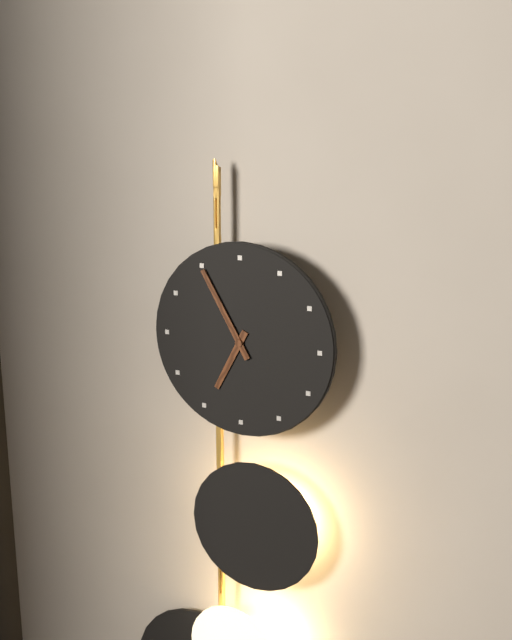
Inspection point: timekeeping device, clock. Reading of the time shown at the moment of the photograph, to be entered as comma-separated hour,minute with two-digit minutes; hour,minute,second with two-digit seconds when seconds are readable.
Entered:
6,55
